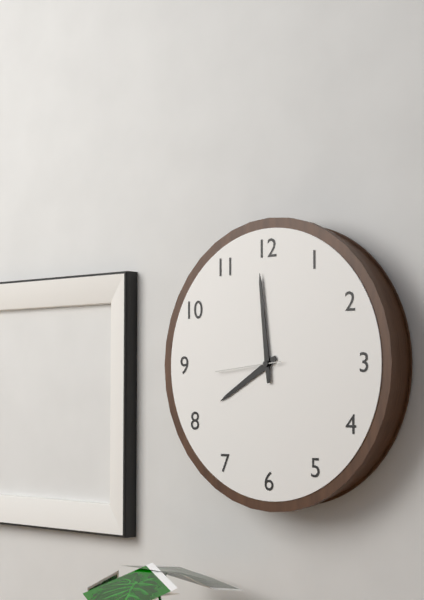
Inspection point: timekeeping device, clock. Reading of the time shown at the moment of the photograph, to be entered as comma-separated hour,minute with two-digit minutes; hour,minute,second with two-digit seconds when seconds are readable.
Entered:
7,59,44
